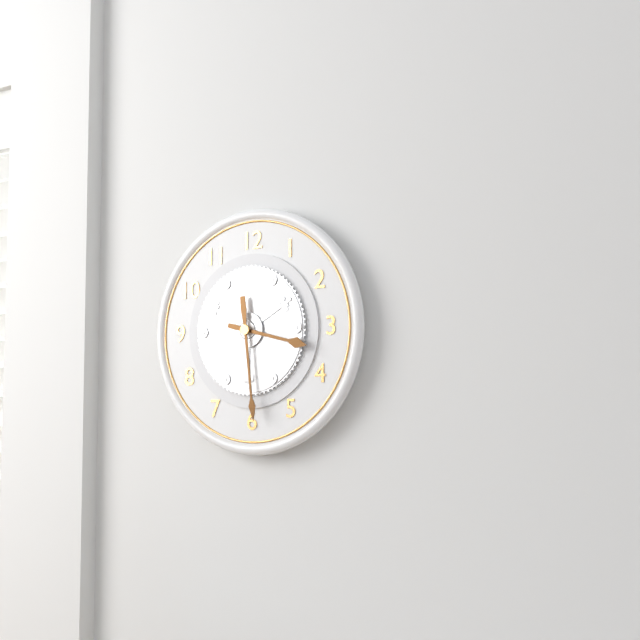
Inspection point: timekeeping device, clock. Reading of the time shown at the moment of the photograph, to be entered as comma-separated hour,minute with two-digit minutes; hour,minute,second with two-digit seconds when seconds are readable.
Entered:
3,29
